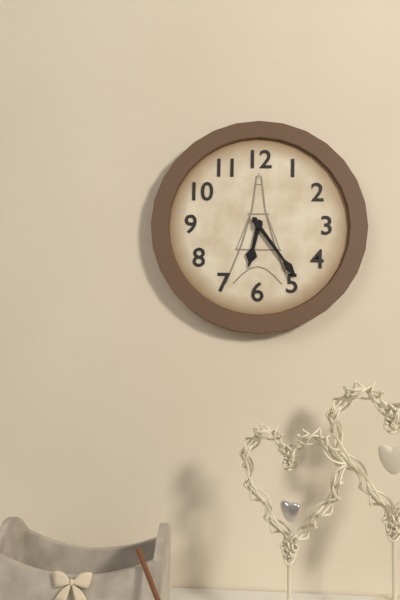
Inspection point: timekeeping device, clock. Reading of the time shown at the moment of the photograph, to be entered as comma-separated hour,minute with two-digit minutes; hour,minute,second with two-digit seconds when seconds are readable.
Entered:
6,24
